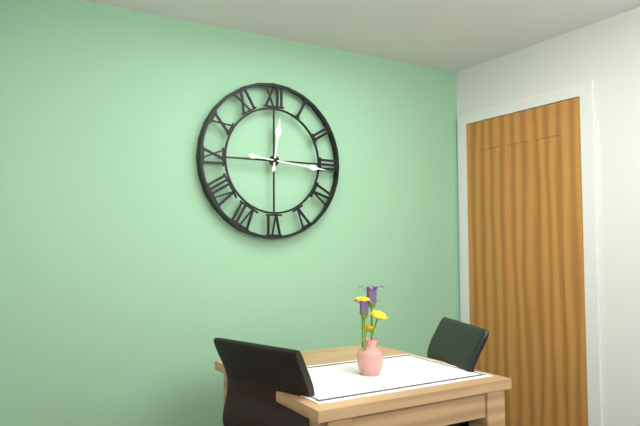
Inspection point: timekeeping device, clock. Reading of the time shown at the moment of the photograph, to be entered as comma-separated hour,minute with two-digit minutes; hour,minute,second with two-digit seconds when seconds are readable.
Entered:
12,16
